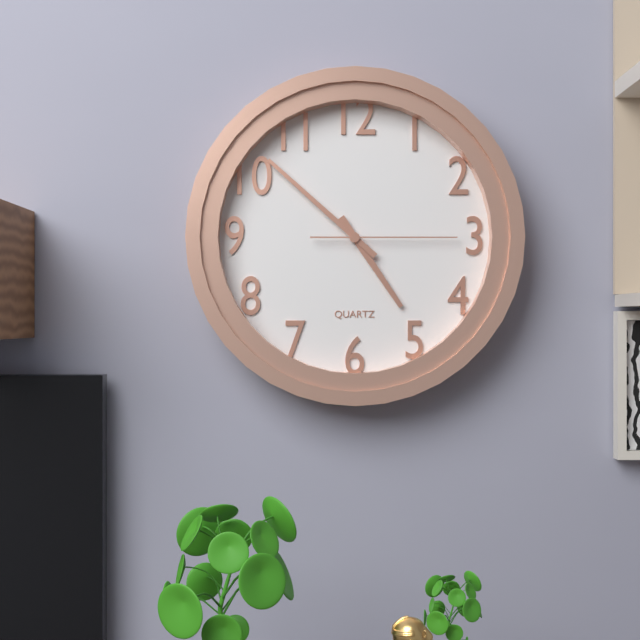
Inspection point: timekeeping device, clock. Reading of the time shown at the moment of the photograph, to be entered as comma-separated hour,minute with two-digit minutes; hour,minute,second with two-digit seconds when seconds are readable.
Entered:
4,52,15
